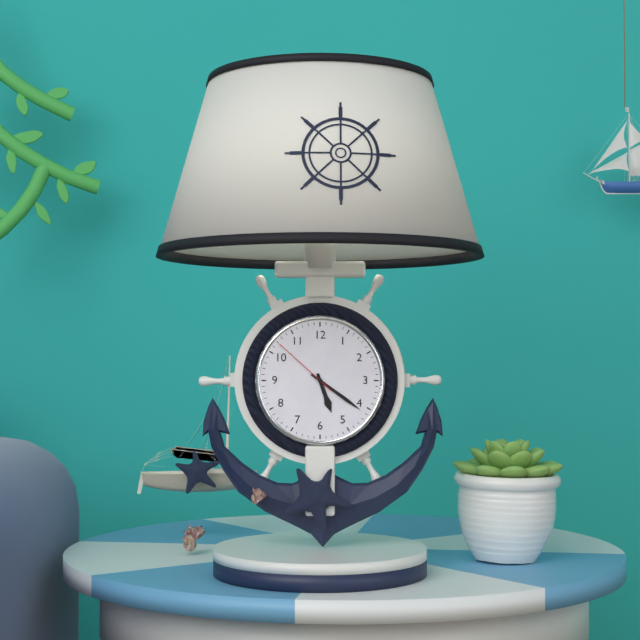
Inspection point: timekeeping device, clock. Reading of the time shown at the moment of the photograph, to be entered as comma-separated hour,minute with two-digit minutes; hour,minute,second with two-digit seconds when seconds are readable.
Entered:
5,21,52
